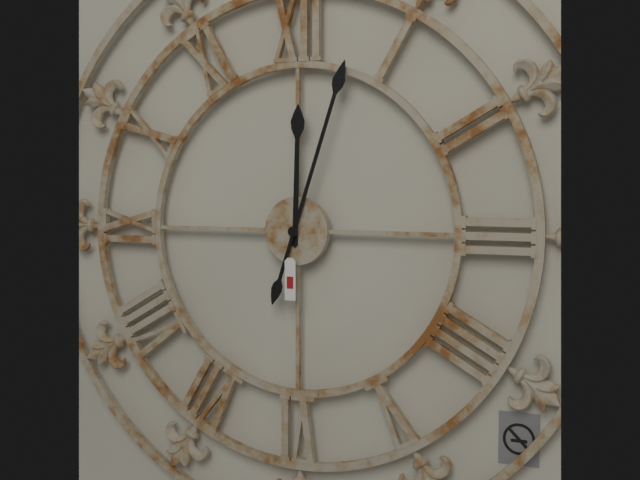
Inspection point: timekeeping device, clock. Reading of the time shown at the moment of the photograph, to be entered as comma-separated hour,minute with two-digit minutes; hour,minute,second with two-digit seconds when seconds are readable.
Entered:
12,03
